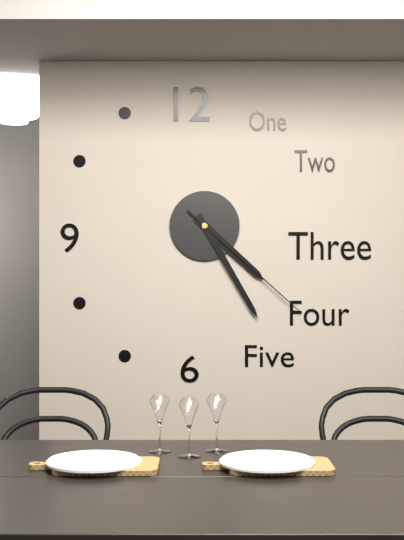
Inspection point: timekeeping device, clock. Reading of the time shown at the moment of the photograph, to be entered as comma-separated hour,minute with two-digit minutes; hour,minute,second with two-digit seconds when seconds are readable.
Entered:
4,25,22
